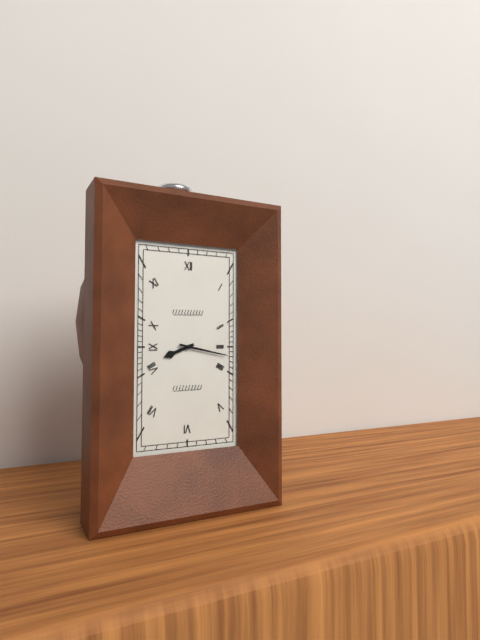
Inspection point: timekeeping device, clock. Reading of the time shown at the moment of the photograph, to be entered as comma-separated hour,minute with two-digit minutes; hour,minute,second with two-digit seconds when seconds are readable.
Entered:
8,17
